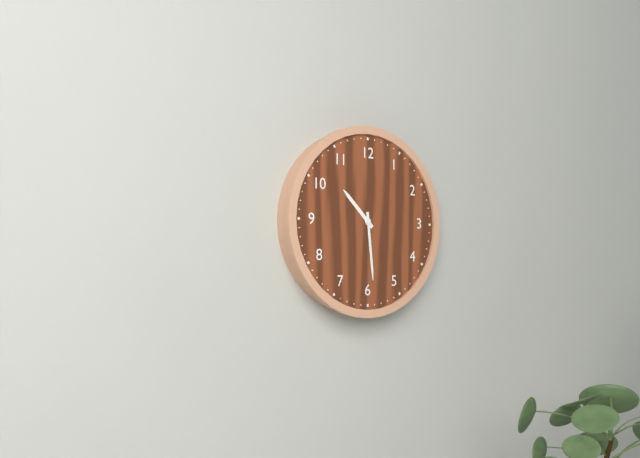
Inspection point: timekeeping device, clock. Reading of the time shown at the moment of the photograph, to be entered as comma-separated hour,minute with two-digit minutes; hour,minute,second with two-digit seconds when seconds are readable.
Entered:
10,29
